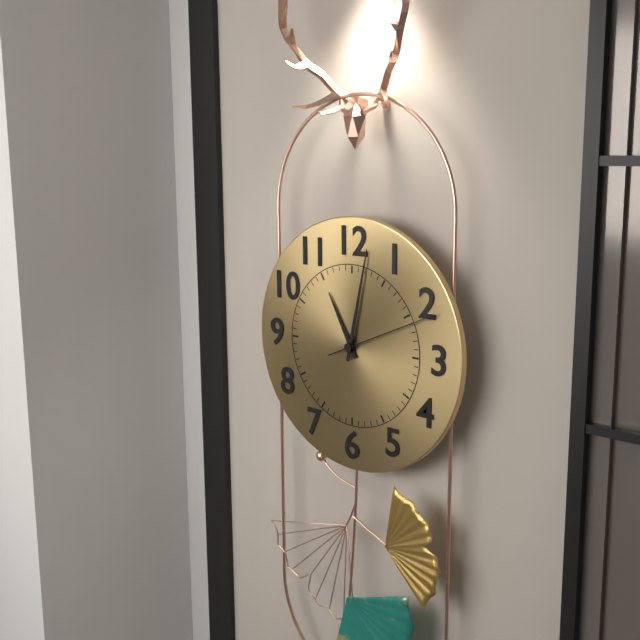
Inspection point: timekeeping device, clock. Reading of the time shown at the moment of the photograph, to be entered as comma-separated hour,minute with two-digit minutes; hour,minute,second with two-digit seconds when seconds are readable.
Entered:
11,02,11
